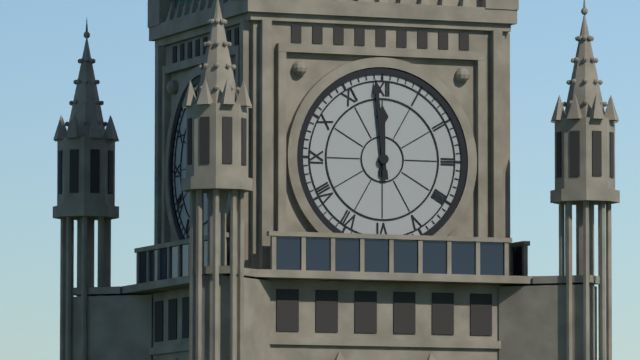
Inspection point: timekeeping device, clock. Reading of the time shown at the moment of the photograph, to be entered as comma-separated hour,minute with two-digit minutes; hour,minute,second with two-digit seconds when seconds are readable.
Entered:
11,59
